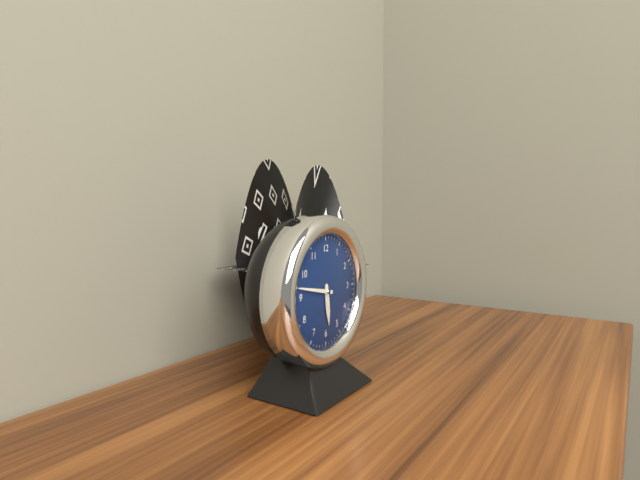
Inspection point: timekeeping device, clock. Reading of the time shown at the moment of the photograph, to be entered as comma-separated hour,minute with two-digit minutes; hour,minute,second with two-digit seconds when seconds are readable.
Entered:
5,47
